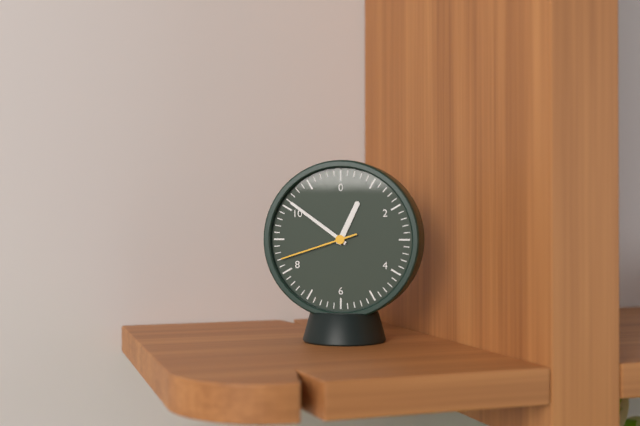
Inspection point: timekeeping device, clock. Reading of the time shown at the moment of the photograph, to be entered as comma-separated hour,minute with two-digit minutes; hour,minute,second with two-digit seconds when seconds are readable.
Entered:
12,51,42
